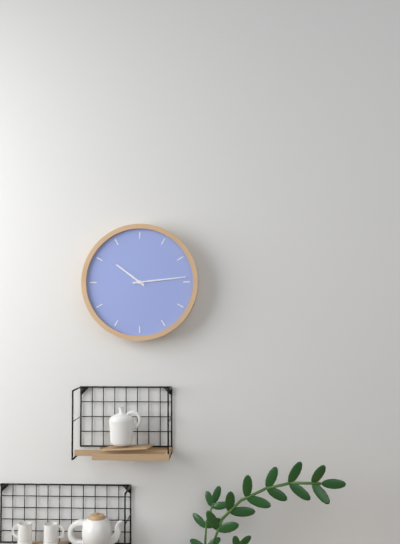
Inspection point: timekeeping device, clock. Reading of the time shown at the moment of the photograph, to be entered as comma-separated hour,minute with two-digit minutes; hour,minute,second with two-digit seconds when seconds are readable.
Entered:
10,14
